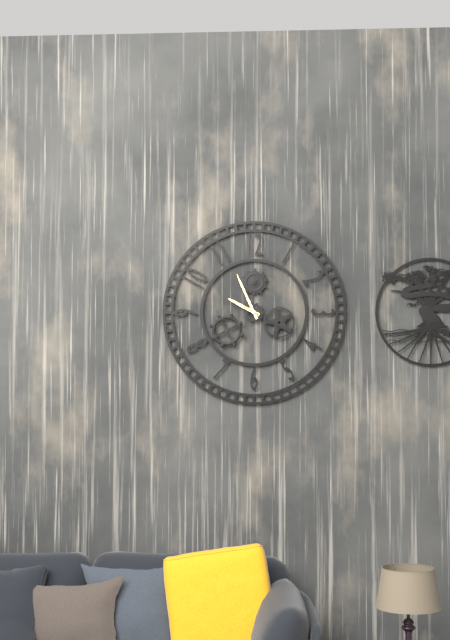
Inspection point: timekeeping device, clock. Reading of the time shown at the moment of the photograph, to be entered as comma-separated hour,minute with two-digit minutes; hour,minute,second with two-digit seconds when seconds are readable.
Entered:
9,56
